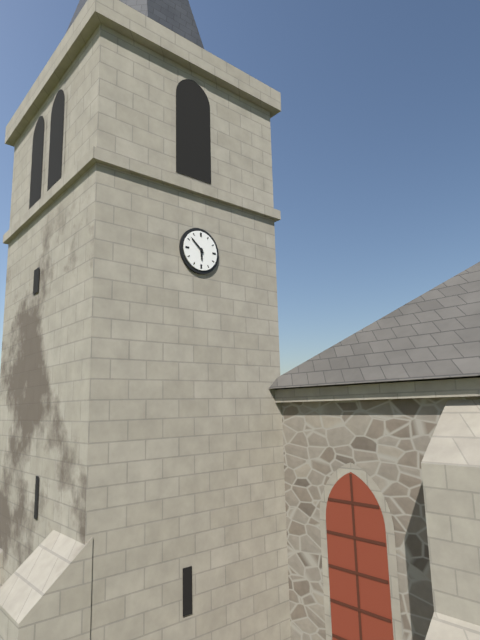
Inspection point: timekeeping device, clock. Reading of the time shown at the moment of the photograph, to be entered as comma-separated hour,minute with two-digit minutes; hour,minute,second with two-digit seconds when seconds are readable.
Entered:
5,52
